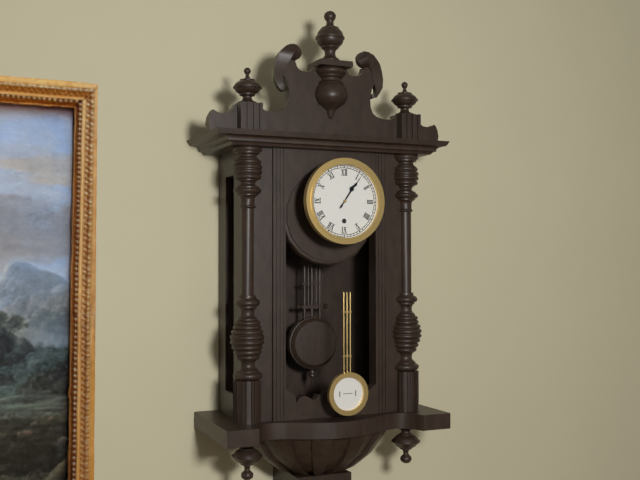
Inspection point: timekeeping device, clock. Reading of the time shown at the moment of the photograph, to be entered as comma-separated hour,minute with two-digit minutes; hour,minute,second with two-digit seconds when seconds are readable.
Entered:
1,06
